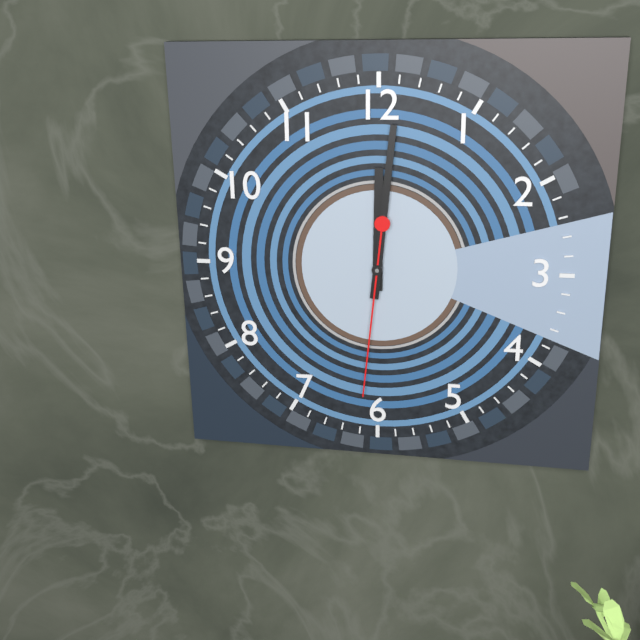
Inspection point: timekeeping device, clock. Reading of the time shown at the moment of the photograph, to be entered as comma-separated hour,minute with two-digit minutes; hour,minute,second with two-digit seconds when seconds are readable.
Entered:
12,01,31
